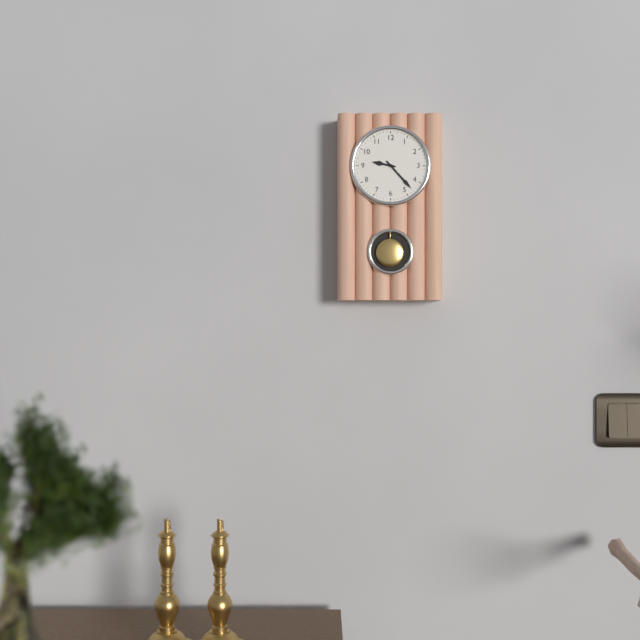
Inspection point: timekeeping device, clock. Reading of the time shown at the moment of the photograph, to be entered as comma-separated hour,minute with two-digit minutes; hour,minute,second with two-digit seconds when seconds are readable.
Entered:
9,23
